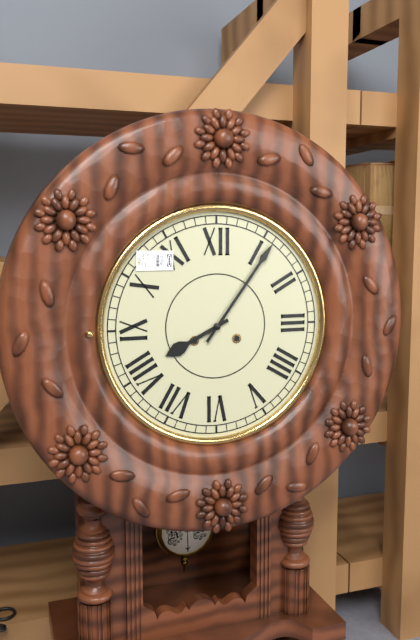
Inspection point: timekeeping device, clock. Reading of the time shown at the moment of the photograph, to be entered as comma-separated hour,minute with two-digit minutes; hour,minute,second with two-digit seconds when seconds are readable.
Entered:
8,06
